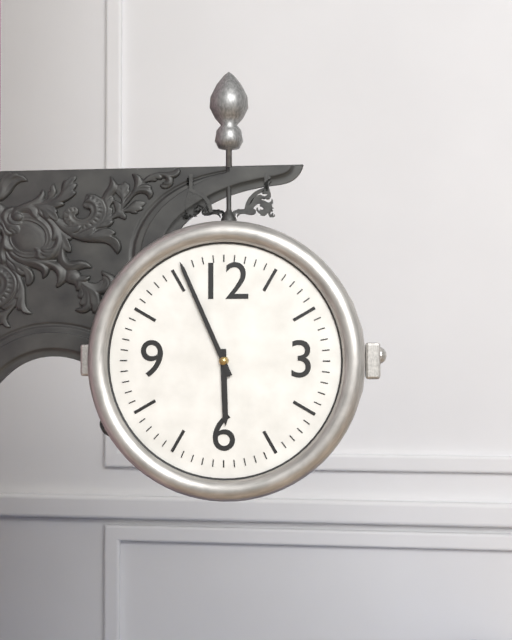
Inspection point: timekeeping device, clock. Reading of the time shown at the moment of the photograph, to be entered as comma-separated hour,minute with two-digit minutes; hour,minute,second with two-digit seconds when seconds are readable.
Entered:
5,56
